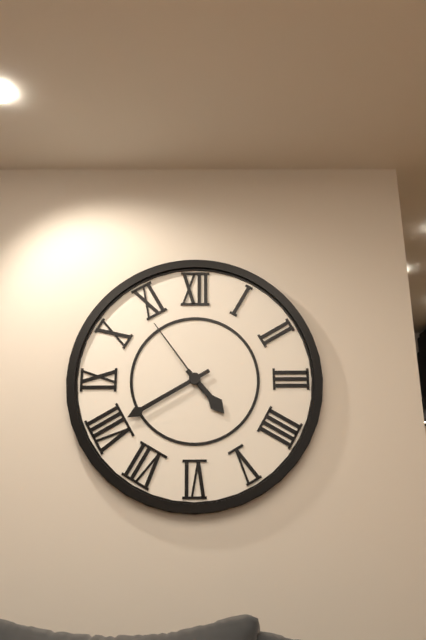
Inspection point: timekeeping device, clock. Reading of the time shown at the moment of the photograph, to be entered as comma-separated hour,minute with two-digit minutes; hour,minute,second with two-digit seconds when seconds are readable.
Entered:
4,40,54
